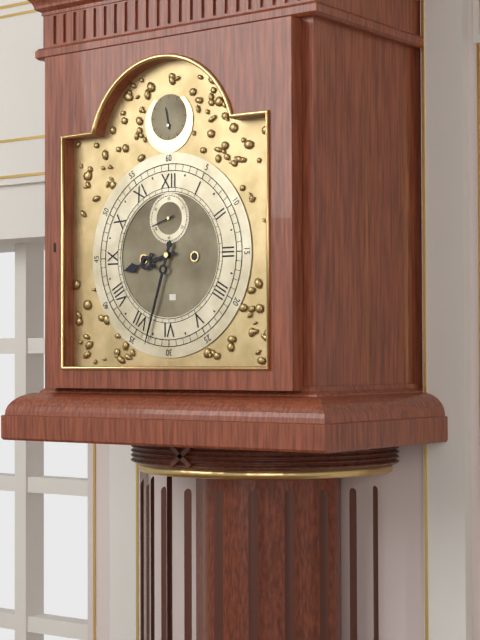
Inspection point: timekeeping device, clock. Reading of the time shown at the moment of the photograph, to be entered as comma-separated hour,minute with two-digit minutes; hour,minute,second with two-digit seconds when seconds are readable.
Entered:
8,33
